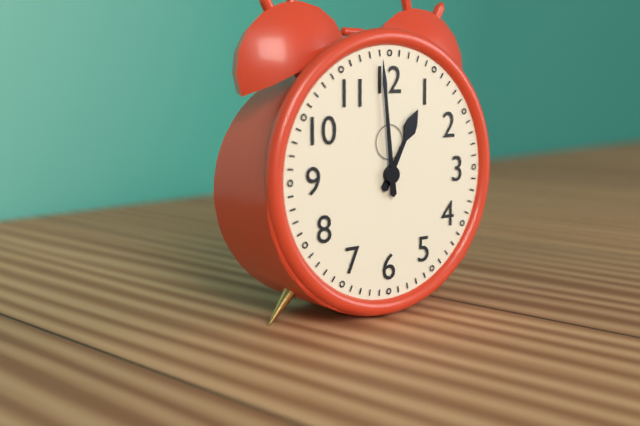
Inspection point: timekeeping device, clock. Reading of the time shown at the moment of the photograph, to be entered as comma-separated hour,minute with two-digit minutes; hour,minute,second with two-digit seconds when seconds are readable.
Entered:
12,59
